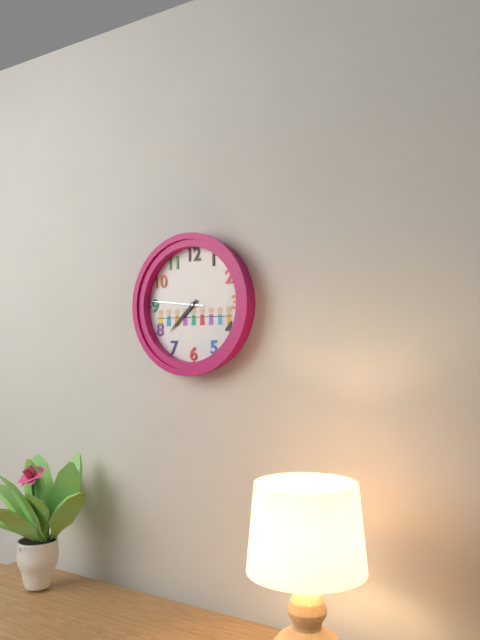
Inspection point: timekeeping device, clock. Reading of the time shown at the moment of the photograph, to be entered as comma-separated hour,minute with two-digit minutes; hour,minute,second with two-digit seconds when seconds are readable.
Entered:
7,38,46
